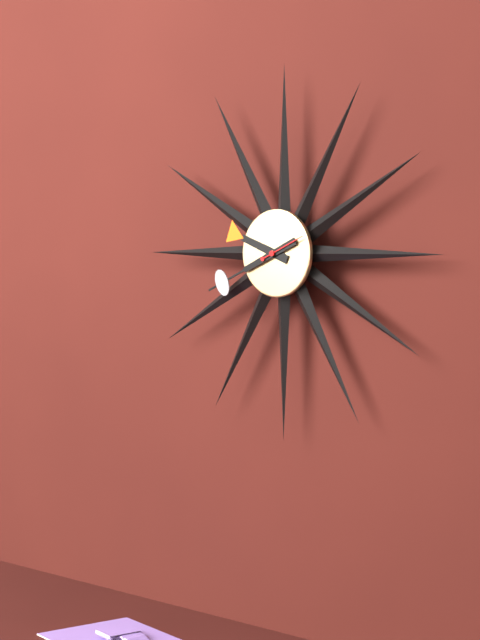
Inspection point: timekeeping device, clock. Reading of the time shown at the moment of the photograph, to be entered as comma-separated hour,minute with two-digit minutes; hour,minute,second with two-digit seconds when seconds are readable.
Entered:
9,41
